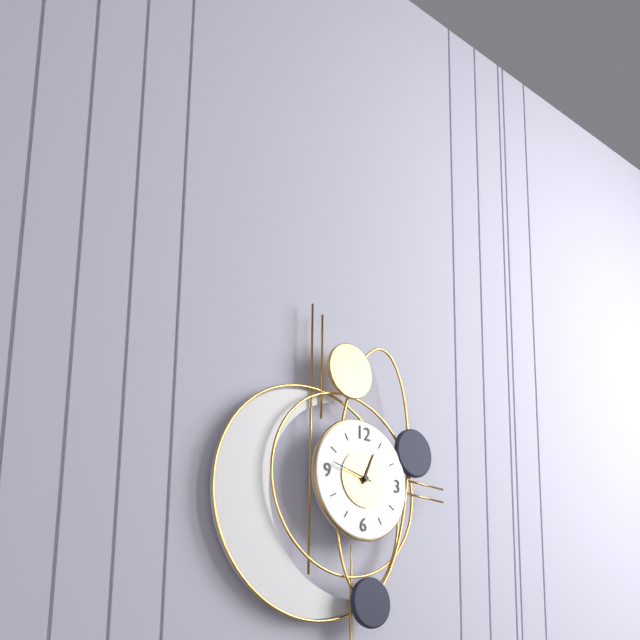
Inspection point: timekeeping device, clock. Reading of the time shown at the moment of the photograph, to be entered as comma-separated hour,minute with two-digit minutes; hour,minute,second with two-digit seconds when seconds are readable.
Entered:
12,47
